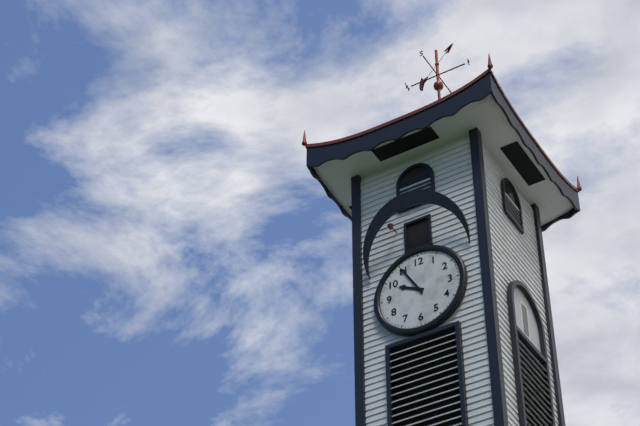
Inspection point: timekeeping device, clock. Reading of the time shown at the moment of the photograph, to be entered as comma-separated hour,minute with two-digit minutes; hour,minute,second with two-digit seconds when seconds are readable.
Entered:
9,55
